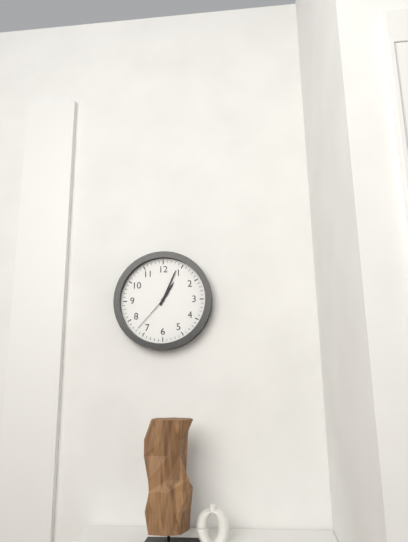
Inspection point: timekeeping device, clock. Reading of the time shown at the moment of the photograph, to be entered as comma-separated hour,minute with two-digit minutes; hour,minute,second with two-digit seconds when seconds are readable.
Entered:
1,04
